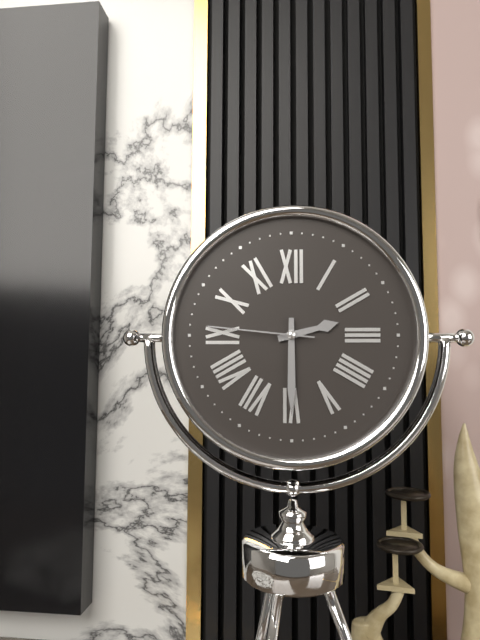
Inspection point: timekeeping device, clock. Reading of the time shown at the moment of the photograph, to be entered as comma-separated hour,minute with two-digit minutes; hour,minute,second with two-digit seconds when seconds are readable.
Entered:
2,30,46
